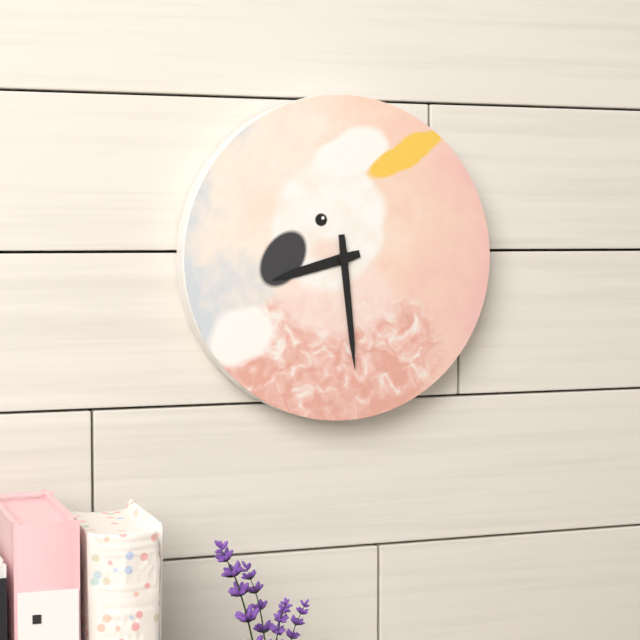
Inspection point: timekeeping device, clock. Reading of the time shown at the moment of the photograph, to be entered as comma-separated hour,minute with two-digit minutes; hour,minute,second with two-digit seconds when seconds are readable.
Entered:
8,29
